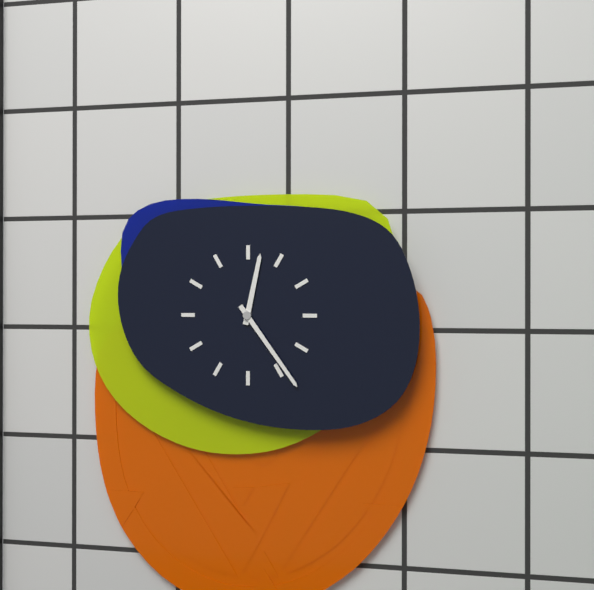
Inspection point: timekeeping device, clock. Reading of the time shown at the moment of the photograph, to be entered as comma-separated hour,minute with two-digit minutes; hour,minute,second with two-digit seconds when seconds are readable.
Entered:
12,24
